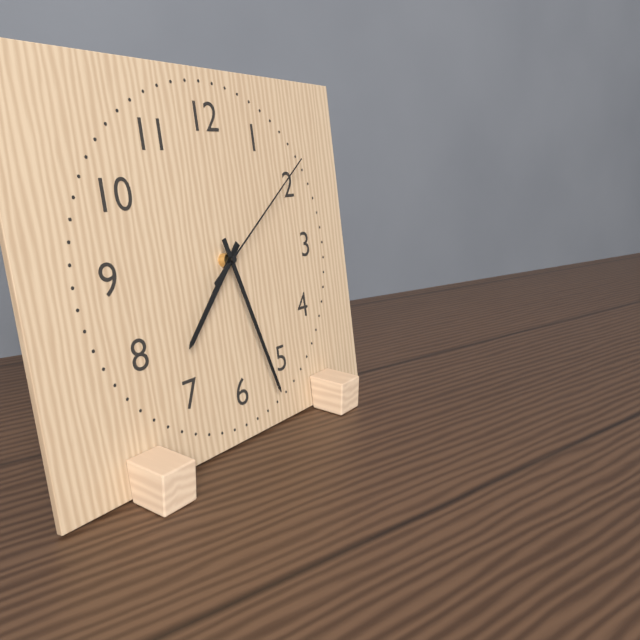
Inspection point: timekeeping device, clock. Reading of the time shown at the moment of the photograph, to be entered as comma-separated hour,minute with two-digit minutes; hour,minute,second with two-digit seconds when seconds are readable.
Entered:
7,27,09
